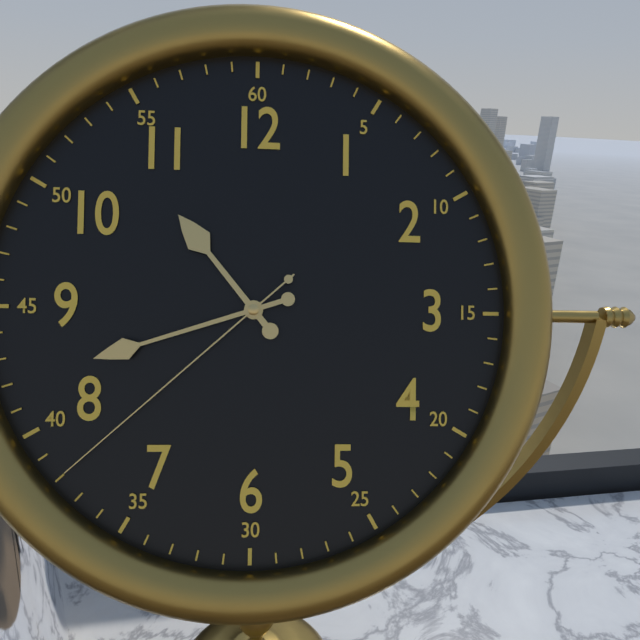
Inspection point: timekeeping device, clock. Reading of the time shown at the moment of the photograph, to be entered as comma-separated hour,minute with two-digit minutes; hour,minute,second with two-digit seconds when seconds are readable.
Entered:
10,42,38
